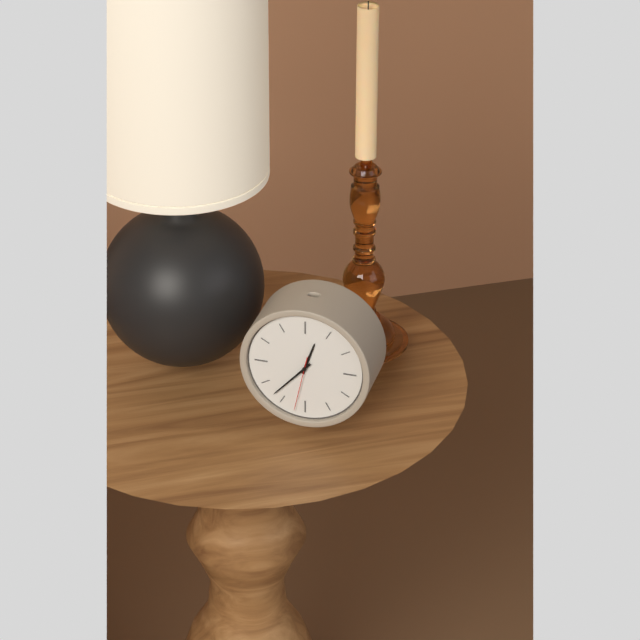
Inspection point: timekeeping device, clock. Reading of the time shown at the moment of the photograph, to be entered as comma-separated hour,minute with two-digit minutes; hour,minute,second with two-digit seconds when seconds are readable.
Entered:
12,37,32
